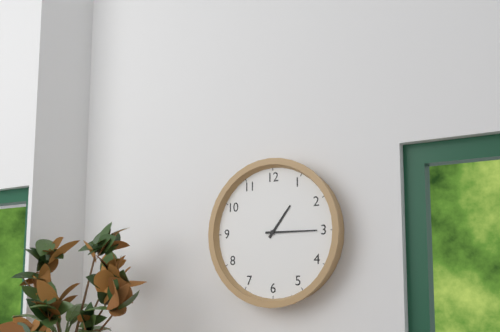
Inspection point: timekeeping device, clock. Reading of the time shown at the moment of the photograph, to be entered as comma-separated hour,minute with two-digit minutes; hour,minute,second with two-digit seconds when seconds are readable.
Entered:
1,15
